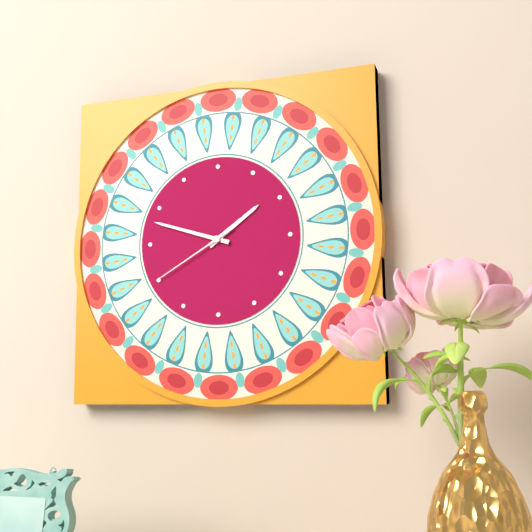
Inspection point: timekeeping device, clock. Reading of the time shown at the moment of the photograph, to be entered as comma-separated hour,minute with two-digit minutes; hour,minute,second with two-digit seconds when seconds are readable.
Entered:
1,48,40
